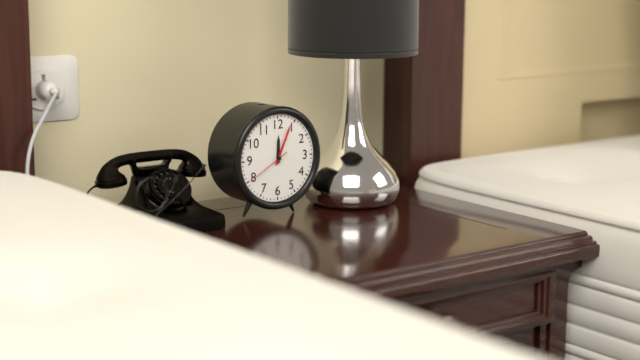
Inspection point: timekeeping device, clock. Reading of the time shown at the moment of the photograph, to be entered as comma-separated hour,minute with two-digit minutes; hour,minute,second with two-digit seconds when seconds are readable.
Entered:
12,04
